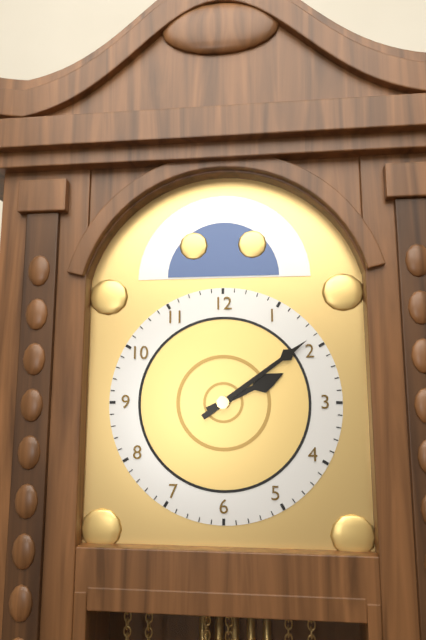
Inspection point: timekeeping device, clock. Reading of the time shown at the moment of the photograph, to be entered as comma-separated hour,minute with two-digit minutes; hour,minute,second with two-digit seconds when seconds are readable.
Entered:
2,09
